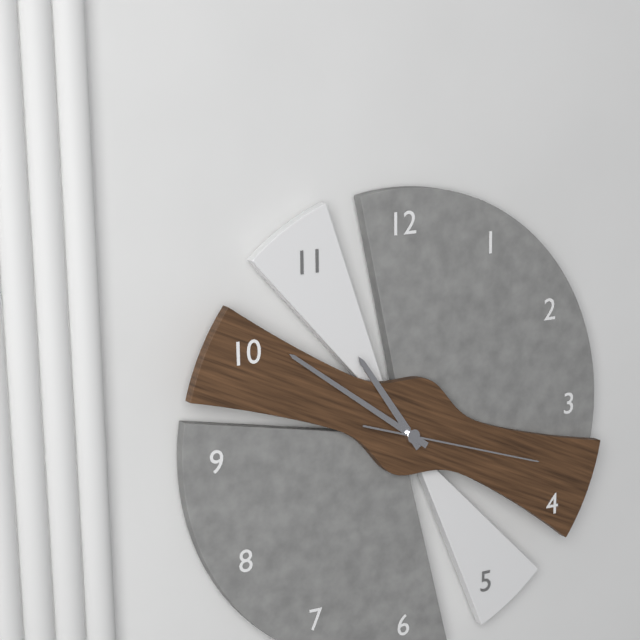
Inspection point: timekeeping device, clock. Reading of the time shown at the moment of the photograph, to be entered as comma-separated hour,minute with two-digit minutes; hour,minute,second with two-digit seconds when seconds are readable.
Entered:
10,51,18
